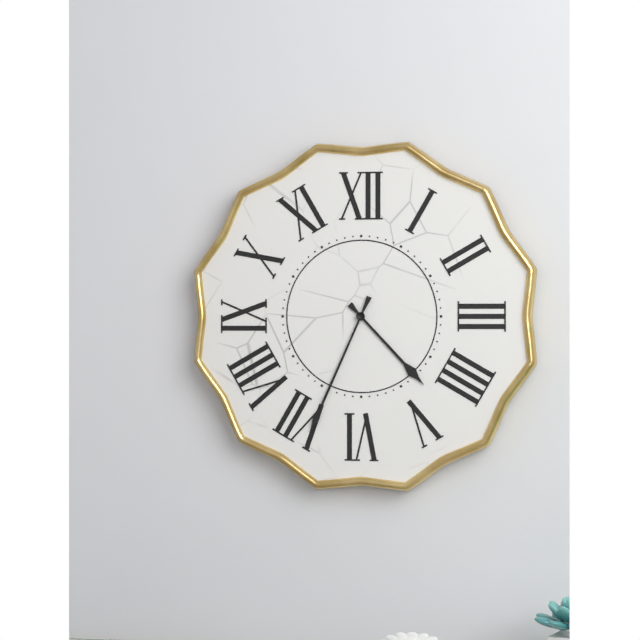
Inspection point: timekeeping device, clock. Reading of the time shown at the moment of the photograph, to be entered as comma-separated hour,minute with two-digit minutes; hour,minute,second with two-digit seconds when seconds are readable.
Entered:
4,34
